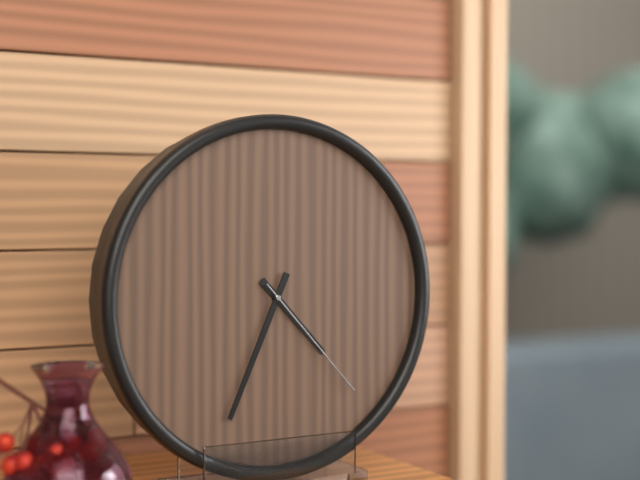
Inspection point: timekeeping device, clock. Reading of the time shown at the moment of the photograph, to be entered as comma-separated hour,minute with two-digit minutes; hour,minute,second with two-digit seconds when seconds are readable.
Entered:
4,34,23
